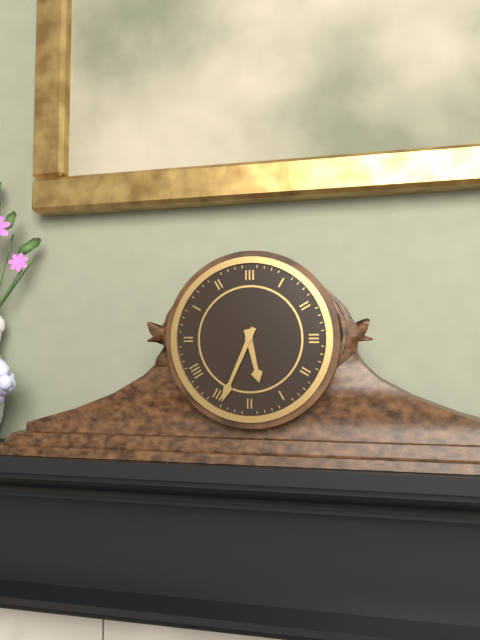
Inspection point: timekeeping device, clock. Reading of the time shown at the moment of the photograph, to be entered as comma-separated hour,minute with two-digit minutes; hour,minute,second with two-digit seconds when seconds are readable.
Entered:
5,34
